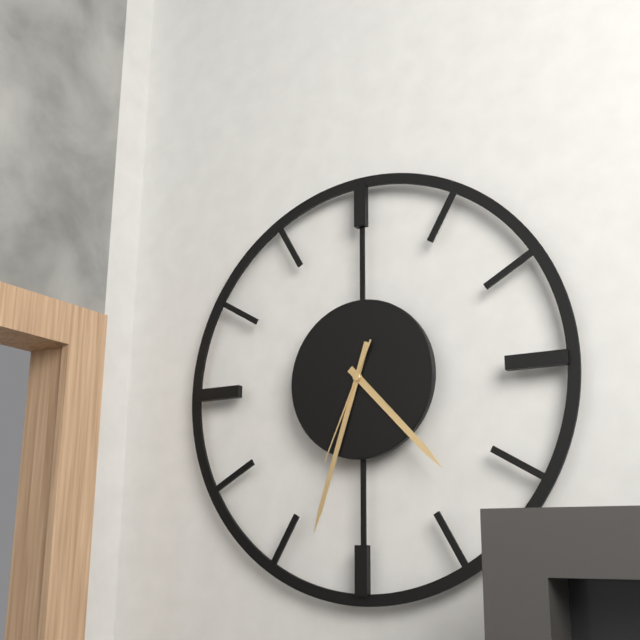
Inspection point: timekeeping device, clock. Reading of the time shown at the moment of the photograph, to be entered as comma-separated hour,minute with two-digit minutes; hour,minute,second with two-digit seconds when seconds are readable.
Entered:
4,33,34
